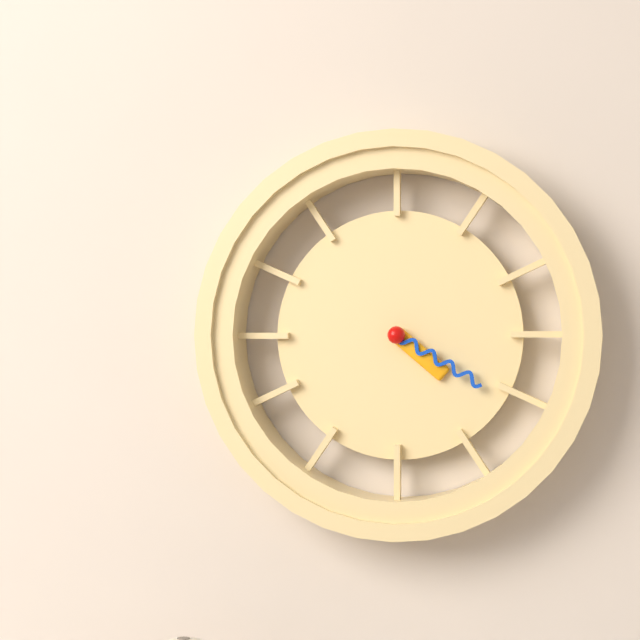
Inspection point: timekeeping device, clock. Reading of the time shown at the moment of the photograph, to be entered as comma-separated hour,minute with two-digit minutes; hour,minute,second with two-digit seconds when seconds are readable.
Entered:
4,20
